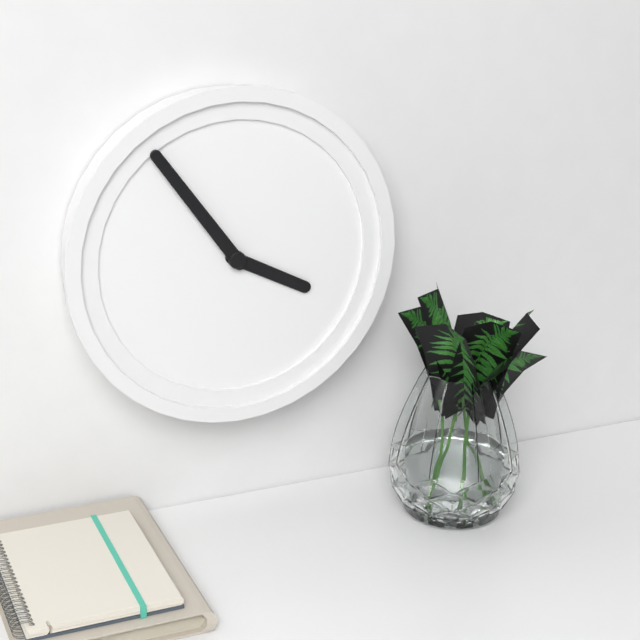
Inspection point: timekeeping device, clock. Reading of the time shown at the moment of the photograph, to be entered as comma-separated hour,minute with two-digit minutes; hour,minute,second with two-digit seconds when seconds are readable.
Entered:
3,54
